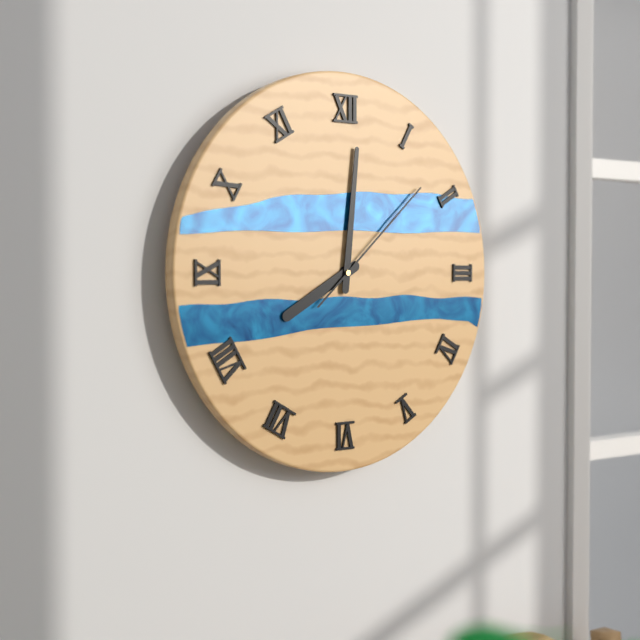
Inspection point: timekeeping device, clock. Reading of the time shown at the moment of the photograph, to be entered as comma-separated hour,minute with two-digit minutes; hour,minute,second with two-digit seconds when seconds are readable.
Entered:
8,01,08
